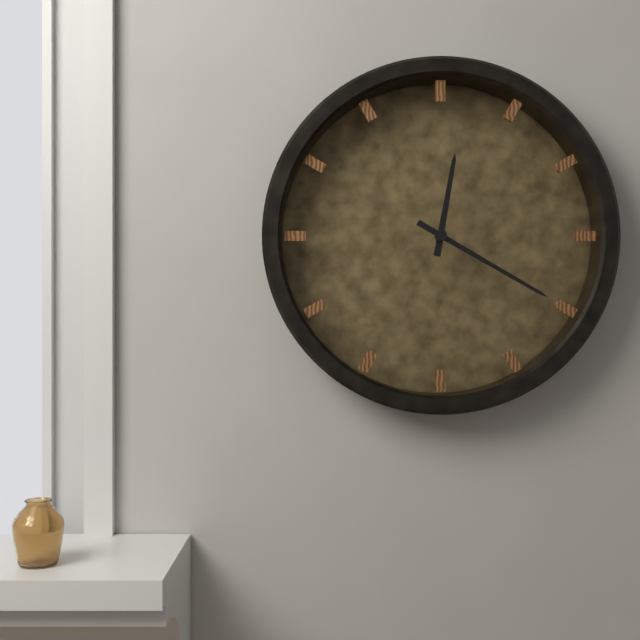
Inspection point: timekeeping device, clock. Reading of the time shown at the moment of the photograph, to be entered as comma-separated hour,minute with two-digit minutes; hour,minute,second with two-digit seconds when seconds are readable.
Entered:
12,20
